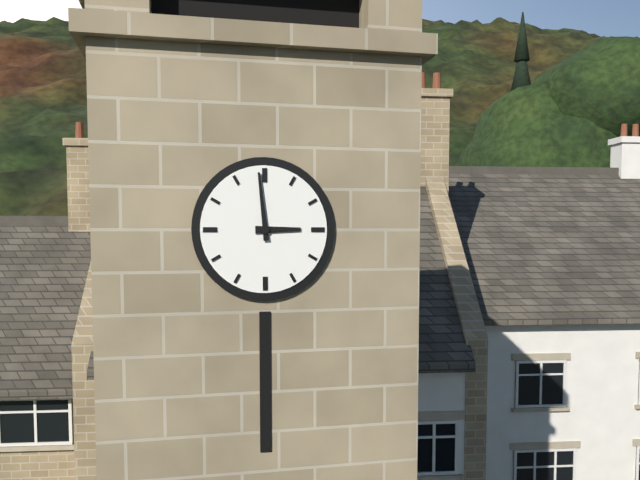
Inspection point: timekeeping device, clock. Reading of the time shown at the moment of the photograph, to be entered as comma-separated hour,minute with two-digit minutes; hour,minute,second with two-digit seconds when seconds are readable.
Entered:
2,59
